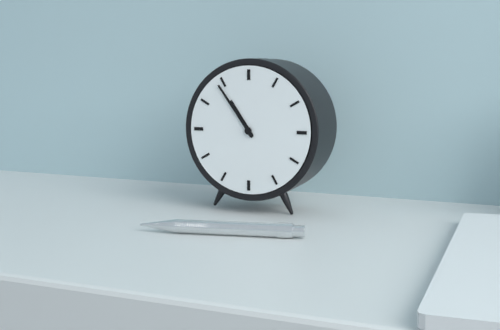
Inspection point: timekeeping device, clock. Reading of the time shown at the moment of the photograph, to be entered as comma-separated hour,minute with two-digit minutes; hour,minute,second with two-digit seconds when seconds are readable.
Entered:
10,54
